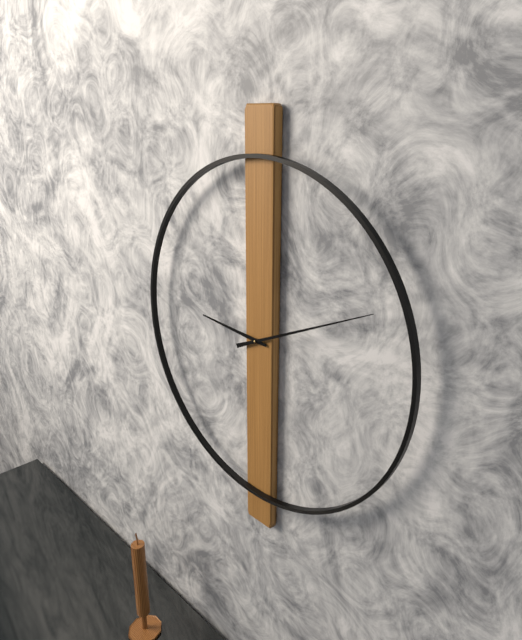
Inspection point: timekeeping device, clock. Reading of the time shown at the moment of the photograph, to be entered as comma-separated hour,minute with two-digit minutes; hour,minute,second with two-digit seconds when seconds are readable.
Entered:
9,11
